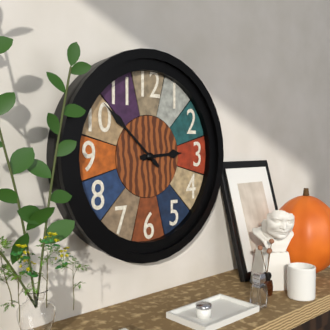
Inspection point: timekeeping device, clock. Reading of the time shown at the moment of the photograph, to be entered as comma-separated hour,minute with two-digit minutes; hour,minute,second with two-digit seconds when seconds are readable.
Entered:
2,52
